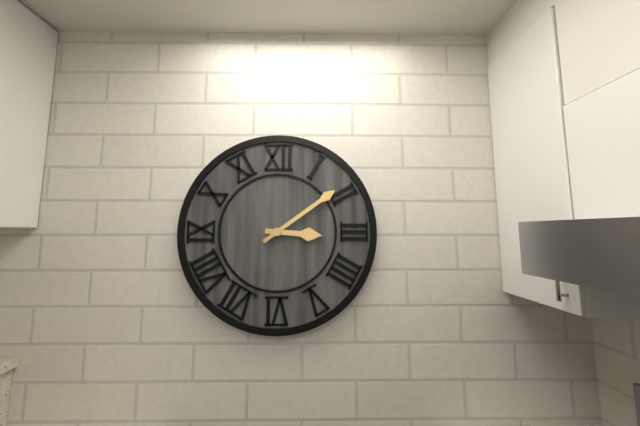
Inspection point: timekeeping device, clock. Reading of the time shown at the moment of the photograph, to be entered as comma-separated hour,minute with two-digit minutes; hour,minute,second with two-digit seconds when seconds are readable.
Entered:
3,09
